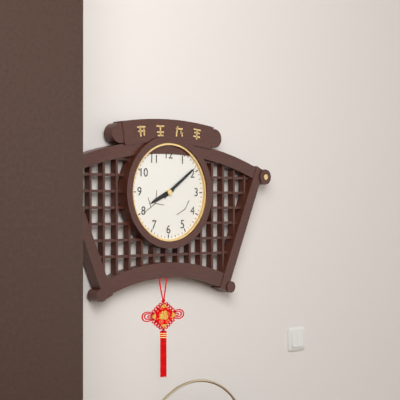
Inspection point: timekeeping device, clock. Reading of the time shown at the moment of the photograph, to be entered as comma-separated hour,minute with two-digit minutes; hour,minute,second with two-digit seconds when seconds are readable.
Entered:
8,09
